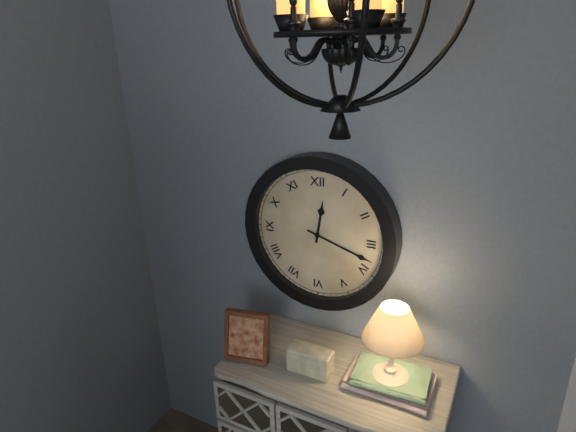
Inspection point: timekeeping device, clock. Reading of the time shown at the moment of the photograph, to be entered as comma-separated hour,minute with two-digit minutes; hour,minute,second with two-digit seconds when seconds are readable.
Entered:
12,18
